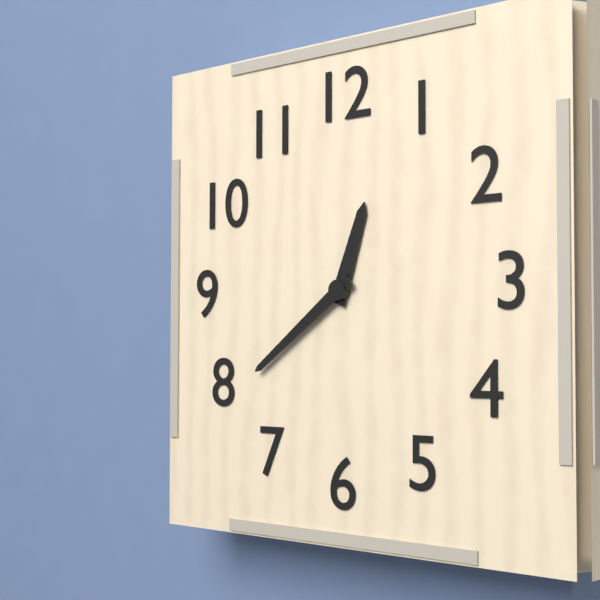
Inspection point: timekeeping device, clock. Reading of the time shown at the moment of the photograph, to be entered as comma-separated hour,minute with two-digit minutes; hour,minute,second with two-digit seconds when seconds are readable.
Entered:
12,39
